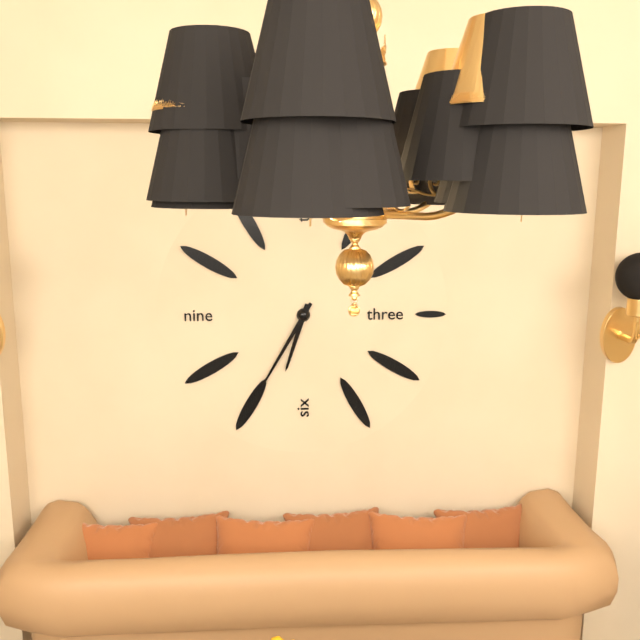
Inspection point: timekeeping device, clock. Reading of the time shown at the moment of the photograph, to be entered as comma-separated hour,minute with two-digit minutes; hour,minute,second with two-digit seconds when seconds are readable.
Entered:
6,35
